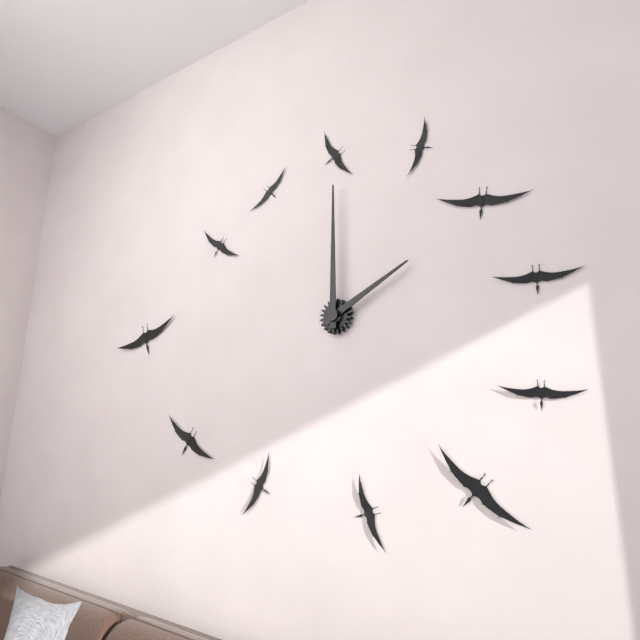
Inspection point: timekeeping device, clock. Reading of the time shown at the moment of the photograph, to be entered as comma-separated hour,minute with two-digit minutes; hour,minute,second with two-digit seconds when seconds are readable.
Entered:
2,00
